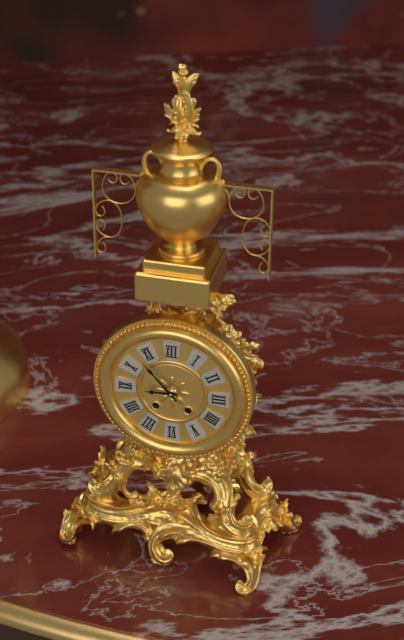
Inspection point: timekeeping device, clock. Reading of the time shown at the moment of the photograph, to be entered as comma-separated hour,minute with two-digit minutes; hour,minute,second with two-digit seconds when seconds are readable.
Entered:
8,53
